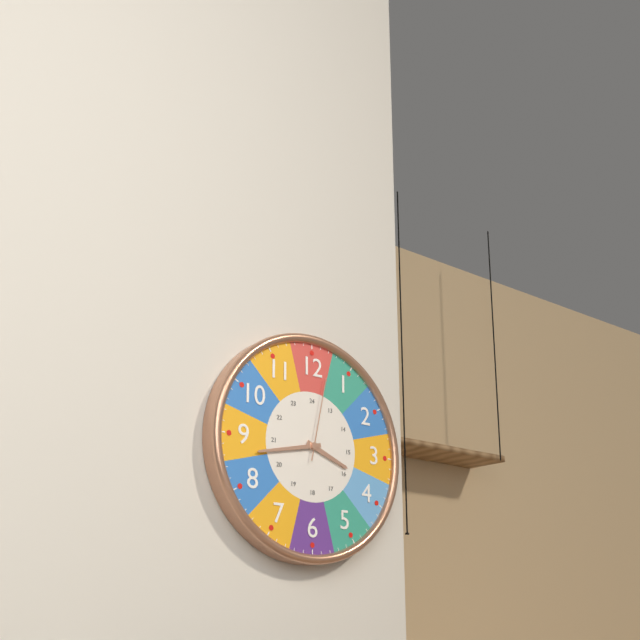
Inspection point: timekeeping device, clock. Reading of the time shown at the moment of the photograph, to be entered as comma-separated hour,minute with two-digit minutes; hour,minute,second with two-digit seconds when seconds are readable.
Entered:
3,43,02
